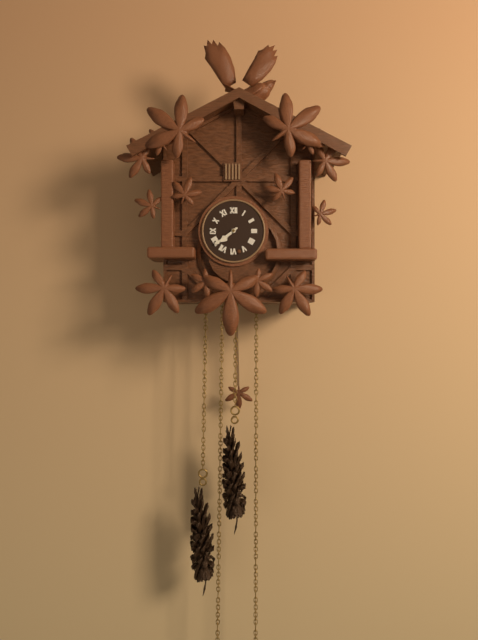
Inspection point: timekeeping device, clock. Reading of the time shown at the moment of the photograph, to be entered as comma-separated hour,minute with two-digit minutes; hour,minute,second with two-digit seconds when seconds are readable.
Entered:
7,39
